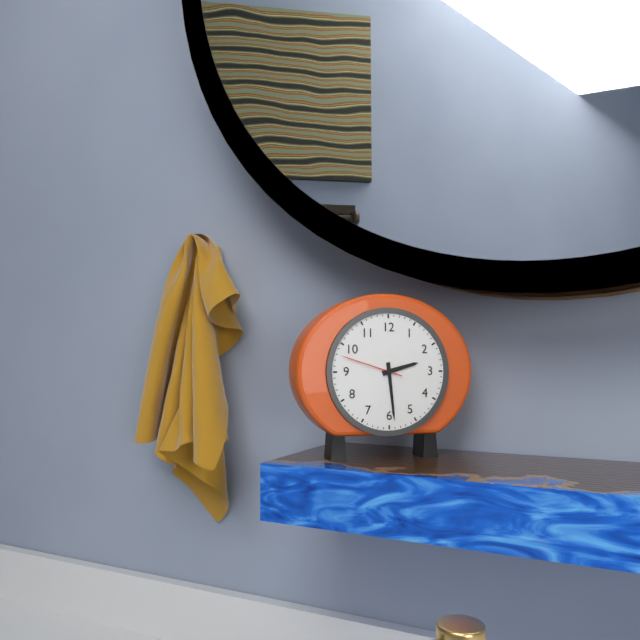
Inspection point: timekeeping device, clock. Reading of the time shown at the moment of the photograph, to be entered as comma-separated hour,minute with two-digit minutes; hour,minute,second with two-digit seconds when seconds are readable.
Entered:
2,29,48
